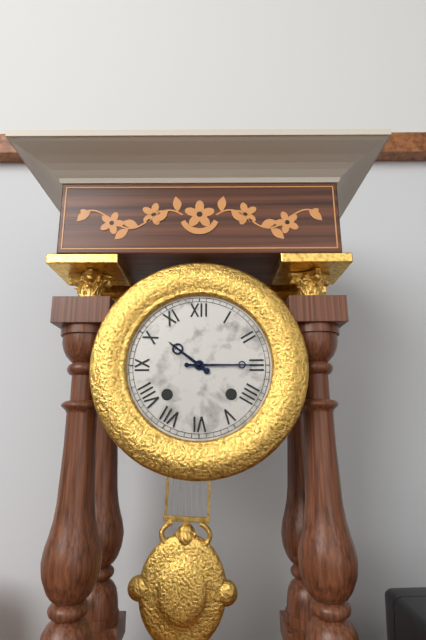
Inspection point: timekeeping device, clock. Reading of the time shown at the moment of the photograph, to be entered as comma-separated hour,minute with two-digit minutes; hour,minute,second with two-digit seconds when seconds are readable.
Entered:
10,15
